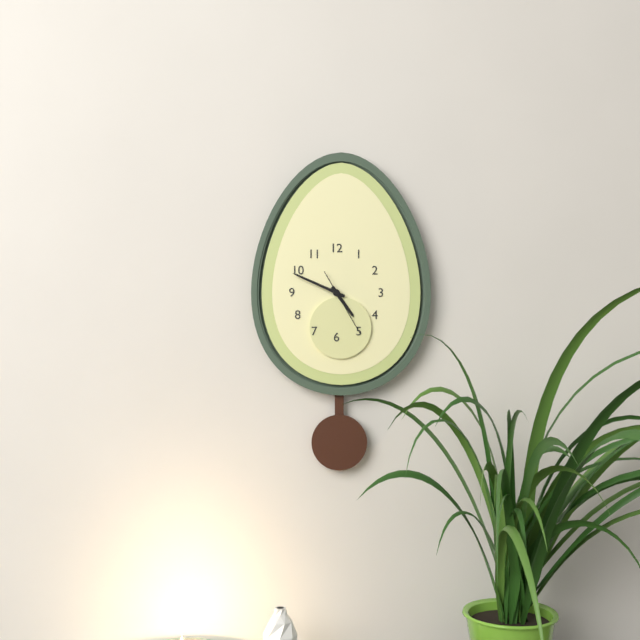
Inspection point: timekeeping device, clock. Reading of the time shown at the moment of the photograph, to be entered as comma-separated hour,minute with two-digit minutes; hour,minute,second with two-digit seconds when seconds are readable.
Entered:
4,49,25
